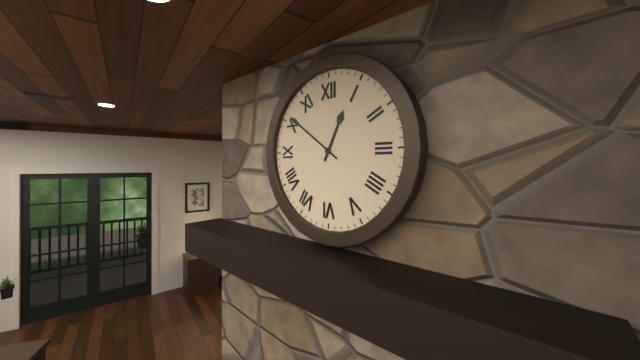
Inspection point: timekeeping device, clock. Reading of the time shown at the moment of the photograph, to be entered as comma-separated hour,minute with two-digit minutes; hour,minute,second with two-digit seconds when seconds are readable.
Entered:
12,51
